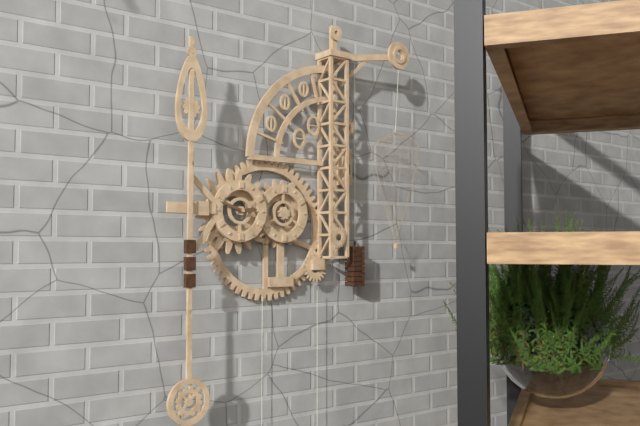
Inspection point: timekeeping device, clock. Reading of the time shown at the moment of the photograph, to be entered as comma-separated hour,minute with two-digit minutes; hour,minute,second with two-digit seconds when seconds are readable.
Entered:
2,48
